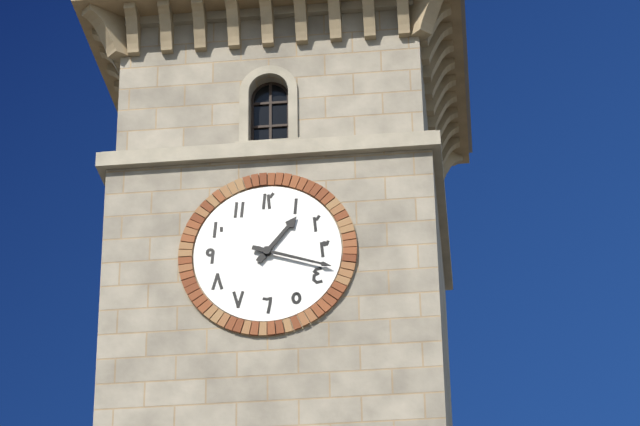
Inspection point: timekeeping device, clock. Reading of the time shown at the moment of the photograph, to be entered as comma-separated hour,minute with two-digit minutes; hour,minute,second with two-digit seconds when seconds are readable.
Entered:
1,18
